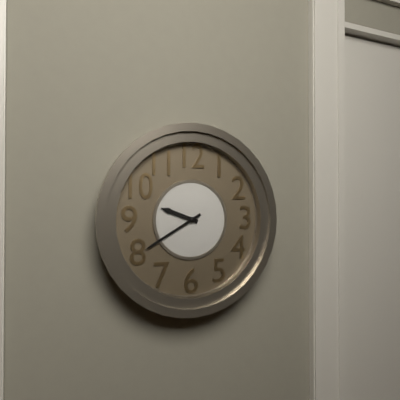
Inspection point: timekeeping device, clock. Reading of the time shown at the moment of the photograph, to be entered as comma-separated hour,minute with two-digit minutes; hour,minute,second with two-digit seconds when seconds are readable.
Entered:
9,40
